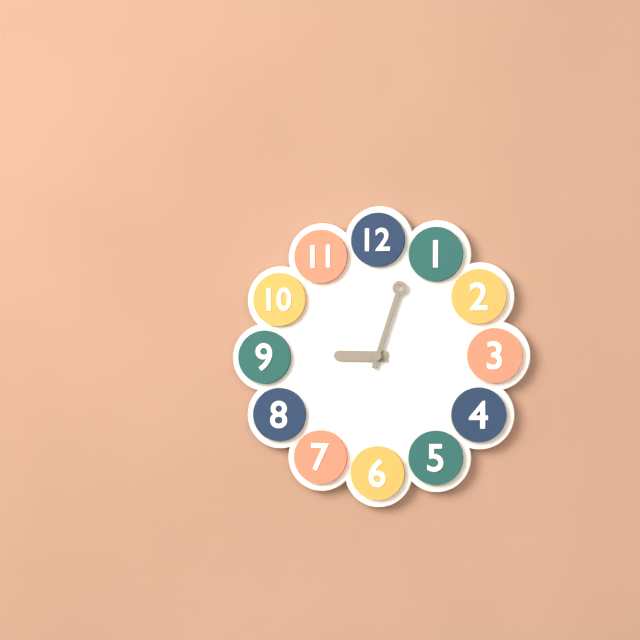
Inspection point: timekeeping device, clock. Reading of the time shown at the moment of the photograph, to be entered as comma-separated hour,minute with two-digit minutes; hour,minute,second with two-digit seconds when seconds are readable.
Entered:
9,03
